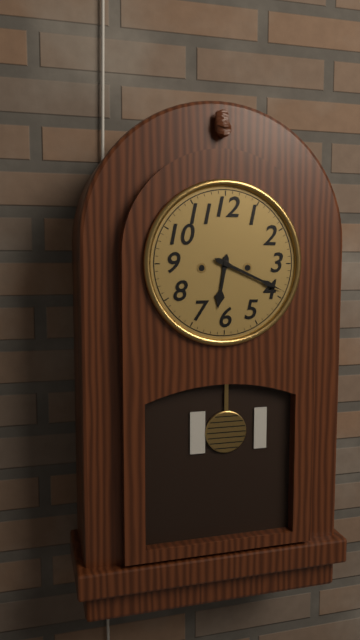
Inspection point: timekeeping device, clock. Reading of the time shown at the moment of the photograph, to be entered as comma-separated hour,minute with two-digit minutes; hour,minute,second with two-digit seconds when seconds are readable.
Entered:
6,19
